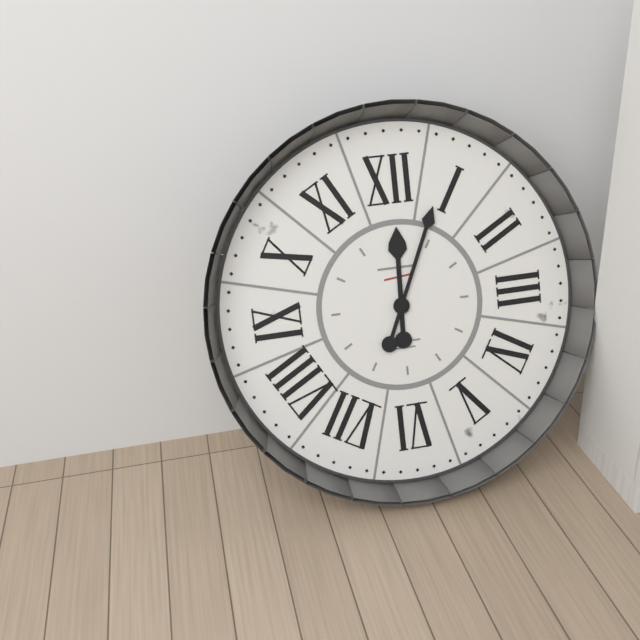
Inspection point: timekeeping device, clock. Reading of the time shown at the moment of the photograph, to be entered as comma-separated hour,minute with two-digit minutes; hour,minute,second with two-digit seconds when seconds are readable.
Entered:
12,04
